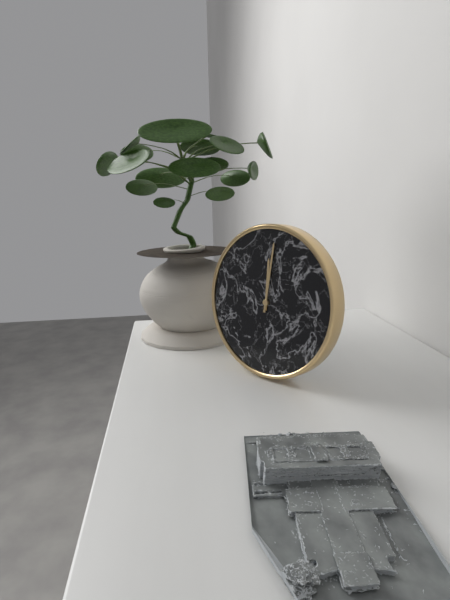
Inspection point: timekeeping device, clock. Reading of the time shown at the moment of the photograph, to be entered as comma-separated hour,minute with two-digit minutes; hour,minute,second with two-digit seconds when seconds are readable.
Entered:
12,01
